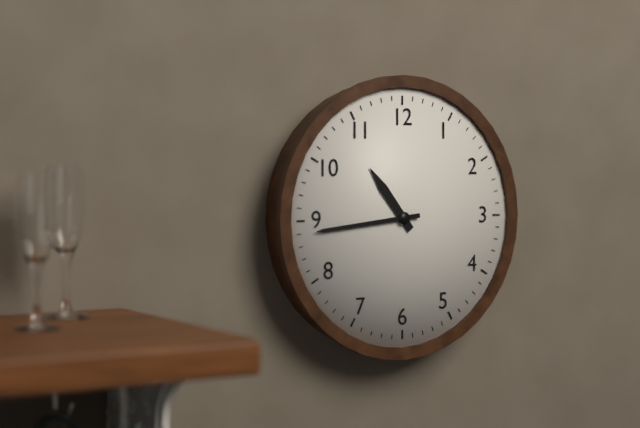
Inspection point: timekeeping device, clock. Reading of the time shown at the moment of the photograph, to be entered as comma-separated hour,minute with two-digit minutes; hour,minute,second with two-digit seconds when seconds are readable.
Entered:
10,44
